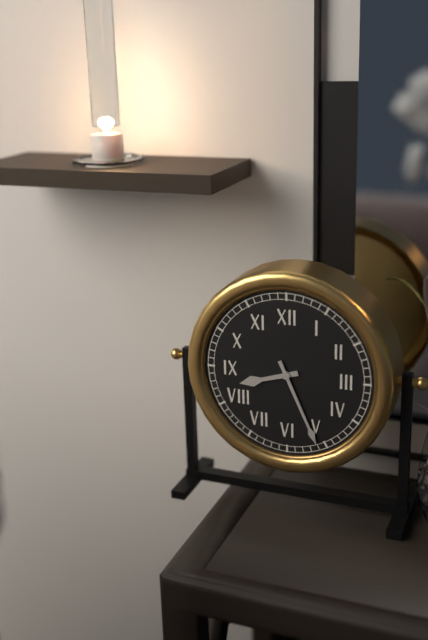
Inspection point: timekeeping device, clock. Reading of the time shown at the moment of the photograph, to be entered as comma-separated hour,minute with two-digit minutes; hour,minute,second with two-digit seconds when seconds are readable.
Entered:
8,26
